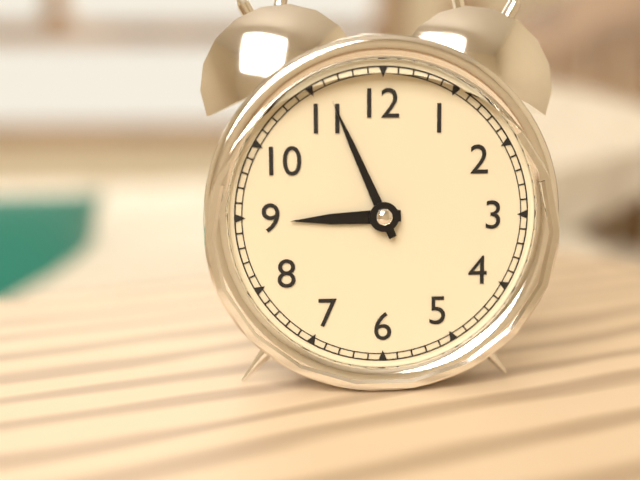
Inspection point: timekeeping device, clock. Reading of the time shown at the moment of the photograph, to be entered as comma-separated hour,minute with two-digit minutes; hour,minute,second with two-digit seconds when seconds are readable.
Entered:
8,56
